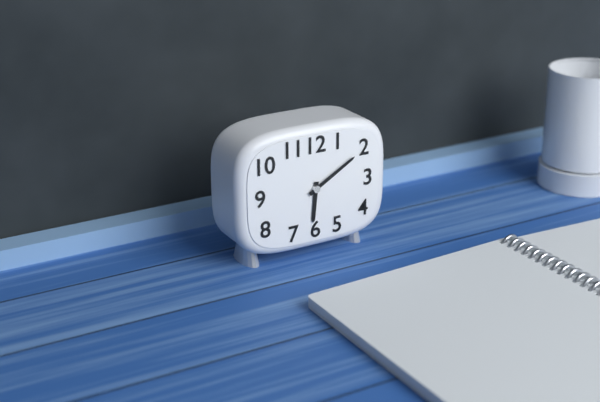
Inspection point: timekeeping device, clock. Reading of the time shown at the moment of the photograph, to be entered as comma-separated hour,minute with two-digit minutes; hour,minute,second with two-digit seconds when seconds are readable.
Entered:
6,10
